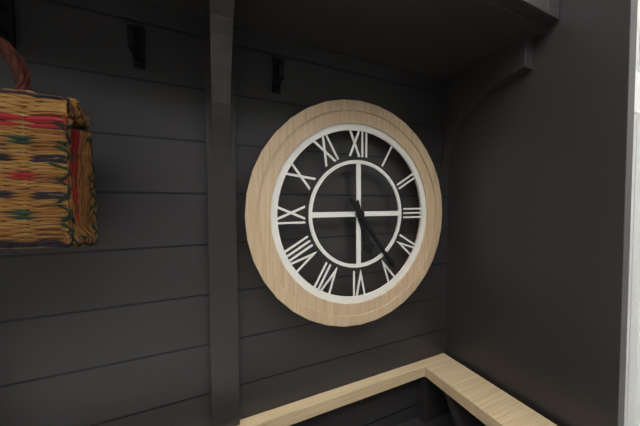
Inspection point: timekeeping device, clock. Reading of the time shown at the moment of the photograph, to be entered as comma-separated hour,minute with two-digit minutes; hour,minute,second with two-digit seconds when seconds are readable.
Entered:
5,24
